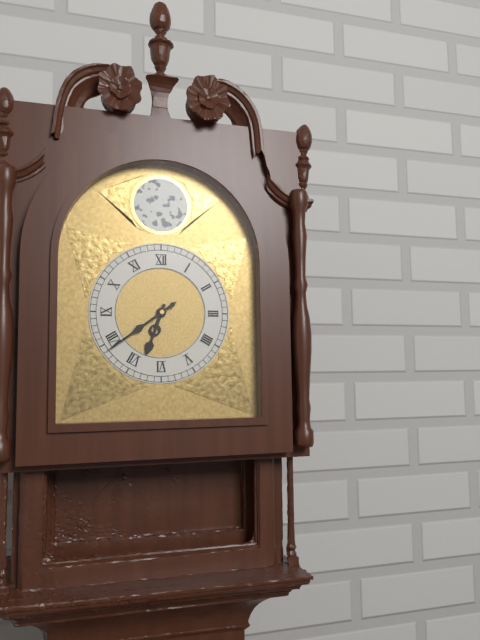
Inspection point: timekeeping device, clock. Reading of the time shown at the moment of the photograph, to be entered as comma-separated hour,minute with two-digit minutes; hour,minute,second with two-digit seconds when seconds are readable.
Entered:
6,39
